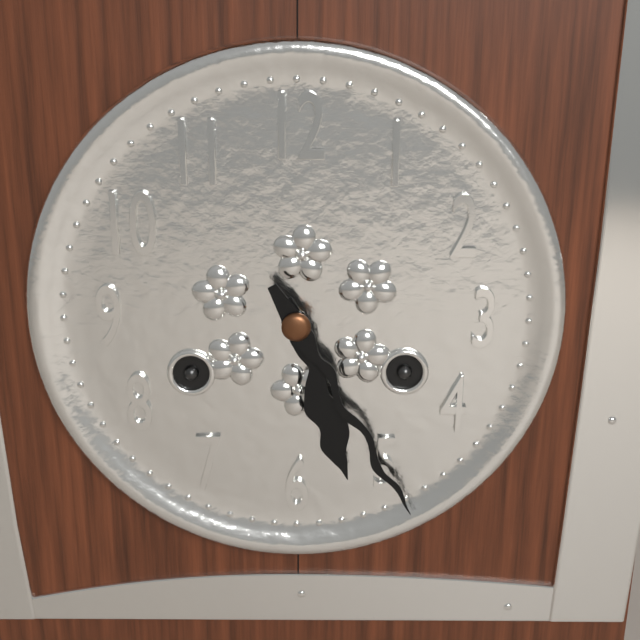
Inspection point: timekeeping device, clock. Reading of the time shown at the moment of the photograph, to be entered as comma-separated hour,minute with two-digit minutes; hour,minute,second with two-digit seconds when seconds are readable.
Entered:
5,25
